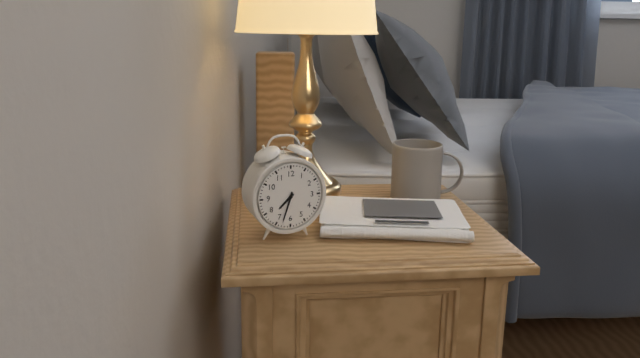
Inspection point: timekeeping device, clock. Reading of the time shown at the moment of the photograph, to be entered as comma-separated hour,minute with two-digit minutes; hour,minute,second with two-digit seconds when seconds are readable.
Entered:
7,33
